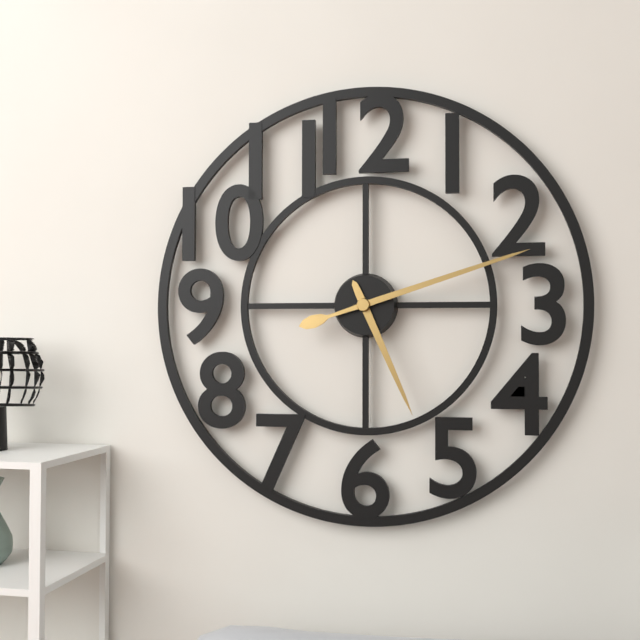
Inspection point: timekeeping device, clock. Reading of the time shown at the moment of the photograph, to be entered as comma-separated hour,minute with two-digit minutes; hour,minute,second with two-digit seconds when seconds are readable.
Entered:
5,12
